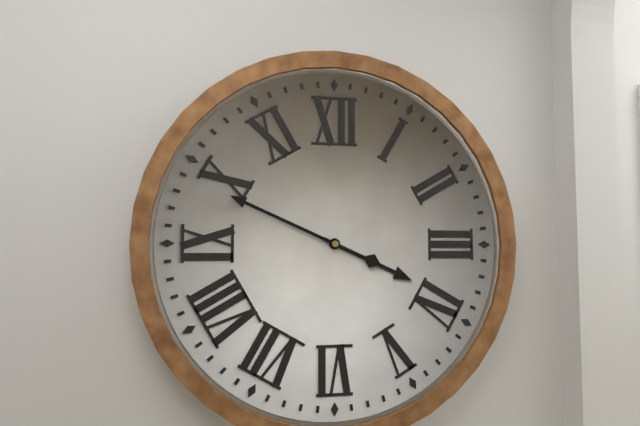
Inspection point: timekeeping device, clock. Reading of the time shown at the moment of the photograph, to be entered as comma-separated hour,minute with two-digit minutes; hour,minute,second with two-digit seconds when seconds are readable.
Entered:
3,49
